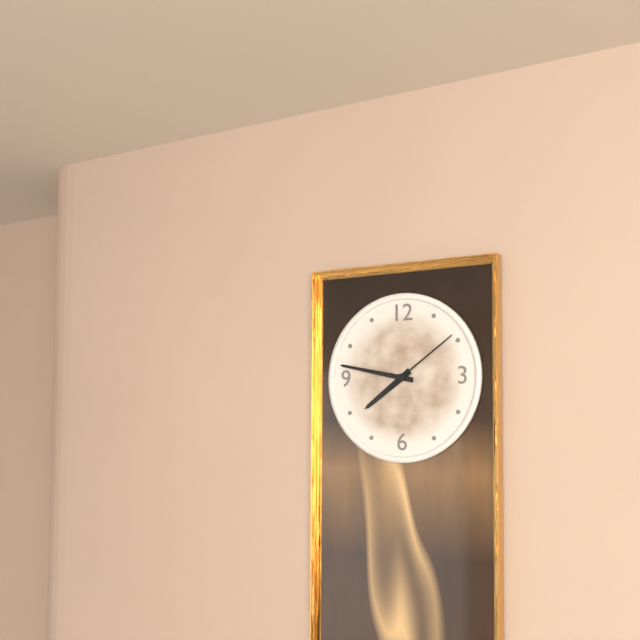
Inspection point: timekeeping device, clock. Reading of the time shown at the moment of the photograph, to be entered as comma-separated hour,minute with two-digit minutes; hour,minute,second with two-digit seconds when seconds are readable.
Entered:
7,47,09
